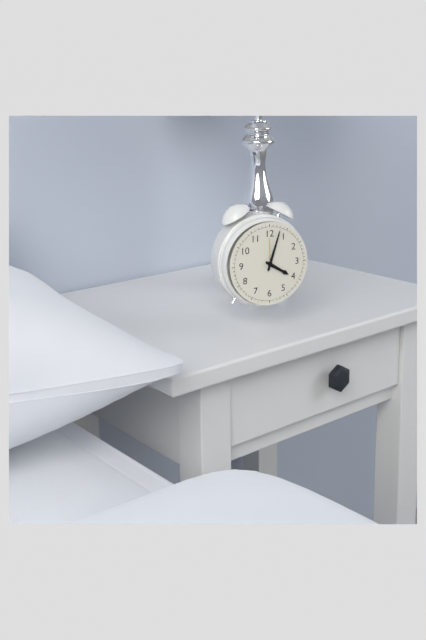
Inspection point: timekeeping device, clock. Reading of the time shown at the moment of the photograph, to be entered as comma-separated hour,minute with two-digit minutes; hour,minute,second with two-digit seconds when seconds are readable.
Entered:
4,03
